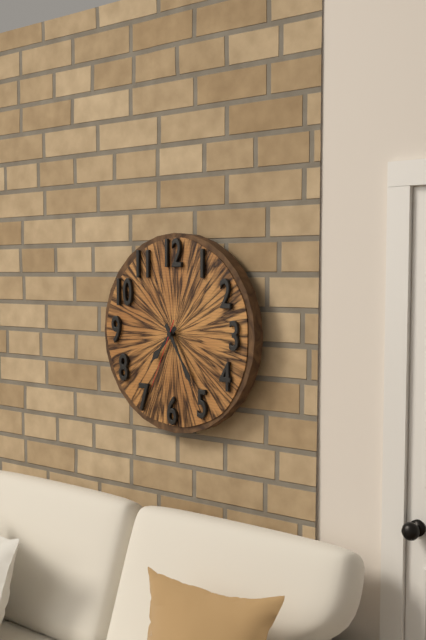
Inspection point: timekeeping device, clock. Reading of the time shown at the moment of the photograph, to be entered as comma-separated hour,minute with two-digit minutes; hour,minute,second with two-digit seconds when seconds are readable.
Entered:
7,25,34
